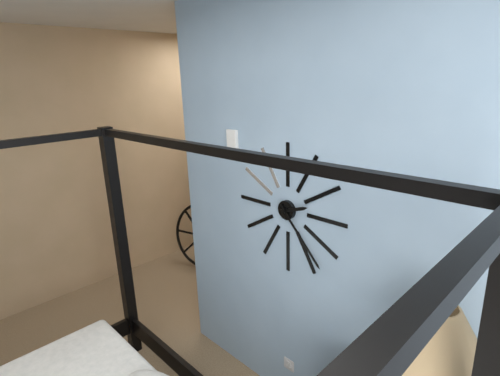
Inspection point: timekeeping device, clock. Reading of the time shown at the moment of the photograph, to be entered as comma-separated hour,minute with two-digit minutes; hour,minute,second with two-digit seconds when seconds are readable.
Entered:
2,23
